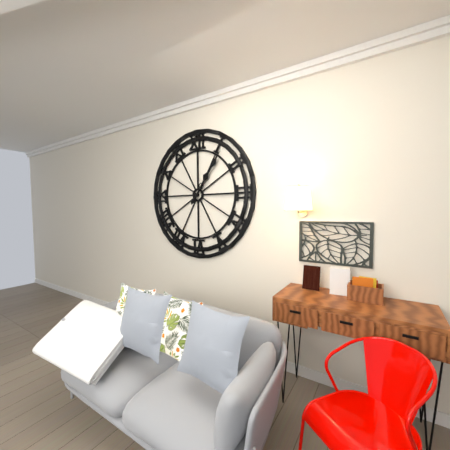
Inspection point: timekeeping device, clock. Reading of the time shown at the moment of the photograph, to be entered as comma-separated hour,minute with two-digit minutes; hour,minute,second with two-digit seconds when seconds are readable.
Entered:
1,06
